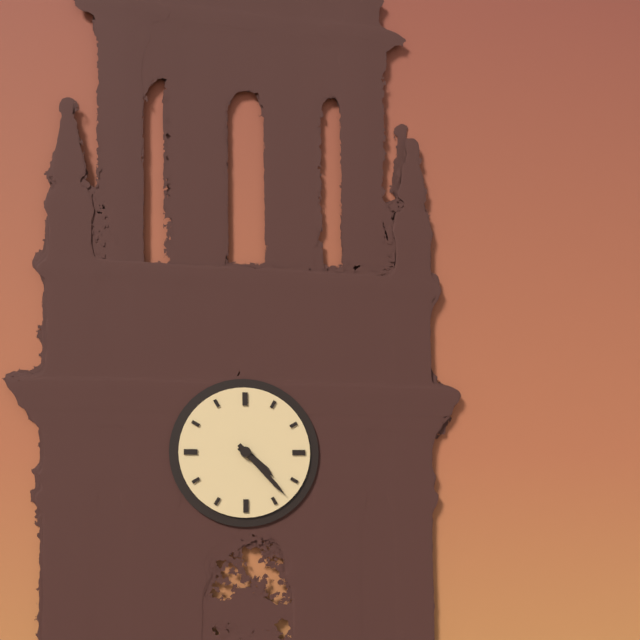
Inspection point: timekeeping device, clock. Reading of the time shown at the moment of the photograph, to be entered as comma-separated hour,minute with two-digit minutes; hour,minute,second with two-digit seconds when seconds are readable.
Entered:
4,23
